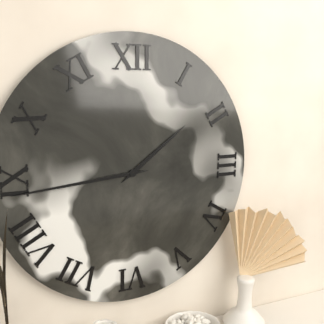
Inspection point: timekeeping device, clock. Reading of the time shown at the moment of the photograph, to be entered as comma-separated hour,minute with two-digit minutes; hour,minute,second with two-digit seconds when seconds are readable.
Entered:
1,44
